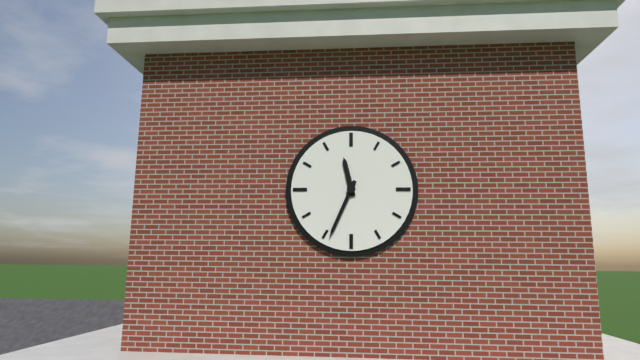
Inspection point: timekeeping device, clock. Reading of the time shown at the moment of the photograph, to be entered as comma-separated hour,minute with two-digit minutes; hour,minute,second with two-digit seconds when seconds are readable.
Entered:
11,34
